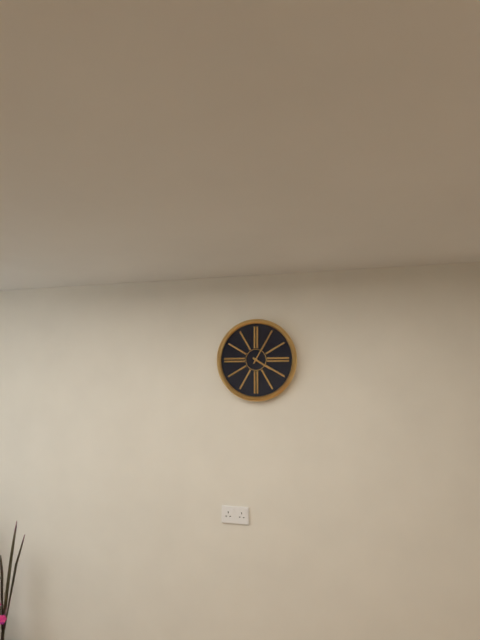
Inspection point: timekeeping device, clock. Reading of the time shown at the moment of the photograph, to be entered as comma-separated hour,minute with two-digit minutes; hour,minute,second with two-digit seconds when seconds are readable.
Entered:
4,05
